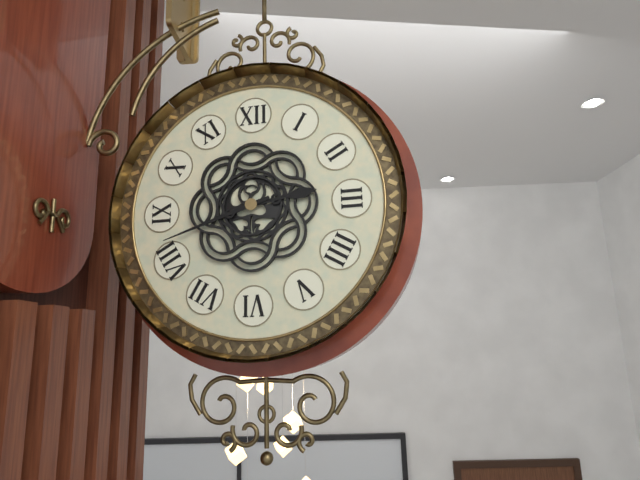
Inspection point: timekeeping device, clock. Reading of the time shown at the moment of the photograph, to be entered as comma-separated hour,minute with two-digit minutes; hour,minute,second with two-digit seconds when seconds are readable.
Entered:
2,42
